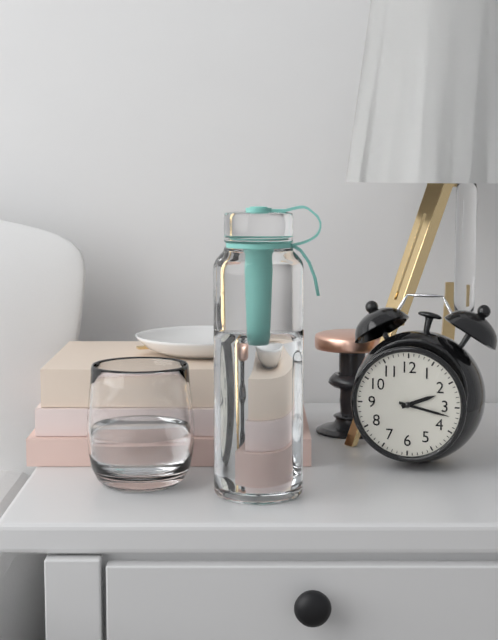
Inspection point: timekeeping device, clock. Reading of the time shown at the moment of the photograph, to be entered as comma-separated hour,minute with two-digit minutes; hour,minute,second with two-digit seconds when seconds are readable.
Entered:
2,17
